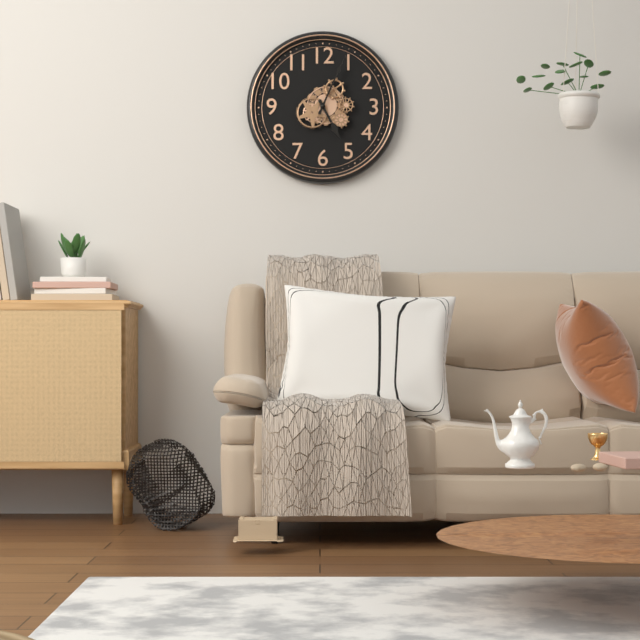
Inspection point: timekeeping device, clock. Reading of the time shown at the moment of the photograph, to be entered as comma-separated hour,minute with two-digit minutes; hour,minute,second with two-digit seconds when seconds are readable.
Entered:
5,04
